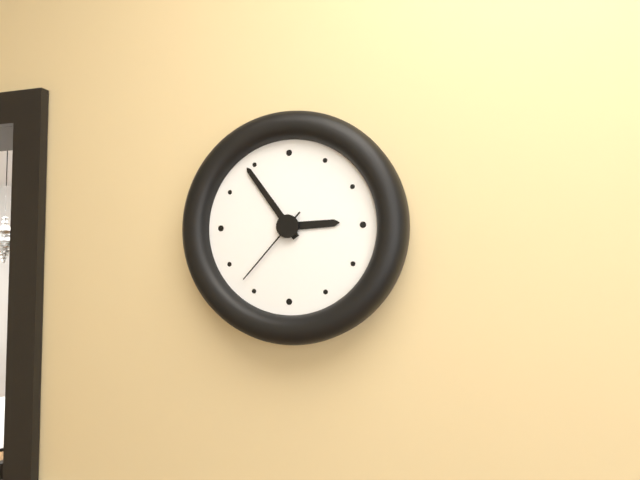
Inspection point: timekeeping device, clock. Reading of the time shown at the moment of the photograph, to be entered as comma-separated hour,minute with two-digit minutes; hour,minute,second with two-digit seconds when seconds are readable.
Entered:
2,54,37
